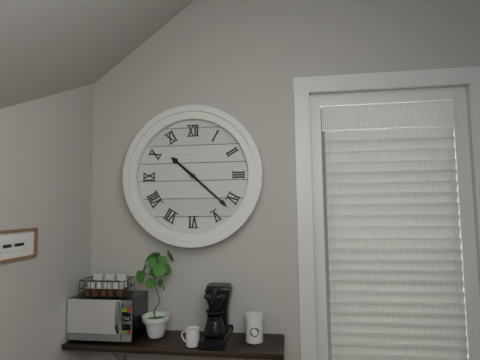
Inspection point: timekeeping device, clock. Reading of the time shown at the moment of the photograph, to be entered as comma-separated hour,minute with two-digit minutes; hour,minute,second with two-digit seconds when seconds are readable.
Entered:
10,22
